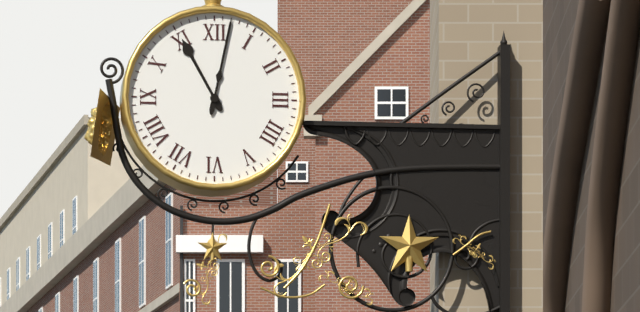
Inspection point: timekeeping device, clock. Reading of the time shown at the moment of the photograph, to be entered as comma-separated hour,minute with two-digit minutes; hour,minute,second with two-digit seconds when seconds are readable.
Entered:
11,02
